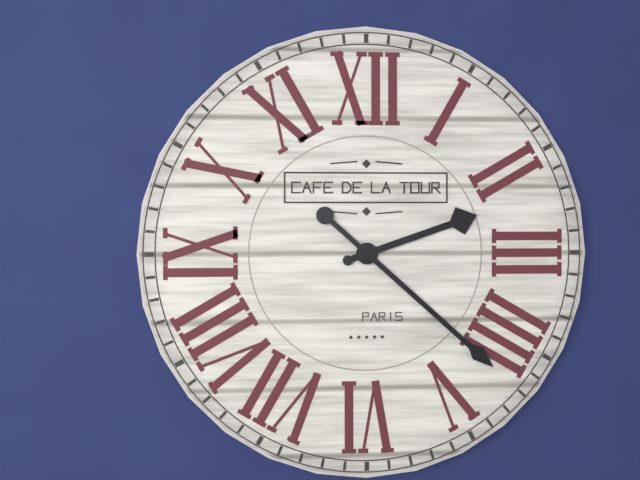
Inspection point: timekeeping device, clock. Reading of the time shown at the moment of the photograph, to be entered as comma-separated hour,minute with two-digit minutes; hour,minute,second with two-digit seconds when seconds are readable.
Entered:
2,22
